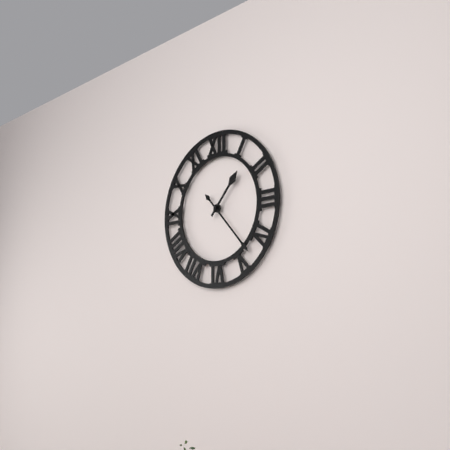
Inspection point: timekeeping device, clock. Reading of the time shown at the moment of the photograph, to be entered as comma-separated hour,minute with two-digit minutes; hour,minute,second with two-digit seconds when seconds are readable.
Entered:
1,23
